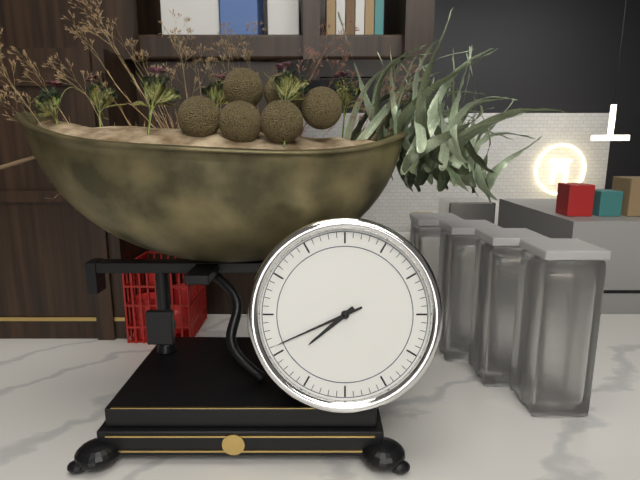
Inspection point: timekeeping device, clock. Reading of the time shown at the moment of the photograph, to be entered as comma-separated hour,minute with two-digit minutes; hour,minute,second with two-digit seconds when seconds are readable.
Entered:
7,41
